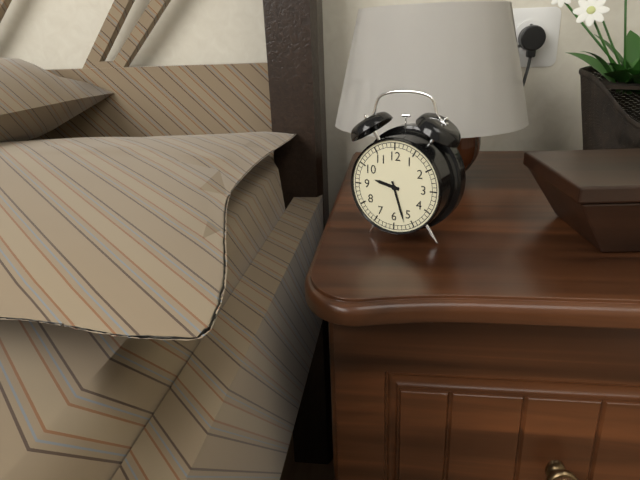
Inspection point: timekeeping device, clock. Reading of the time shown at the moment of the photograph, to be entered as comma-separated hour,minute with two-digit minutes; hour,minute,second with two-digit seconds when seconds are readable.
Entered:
9,27
